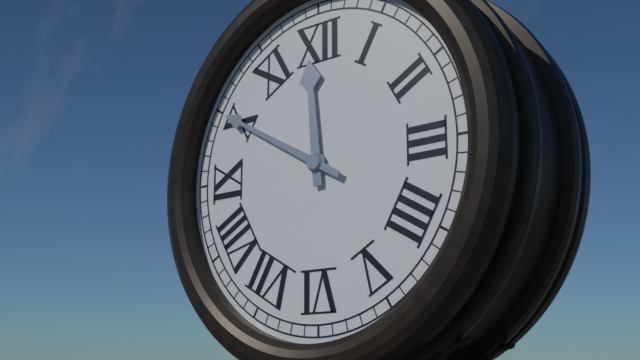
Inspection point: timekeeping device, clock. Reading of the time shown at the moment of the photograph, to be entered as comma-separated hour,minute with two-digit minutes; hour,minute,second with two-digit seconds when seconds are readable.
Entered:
11,50
